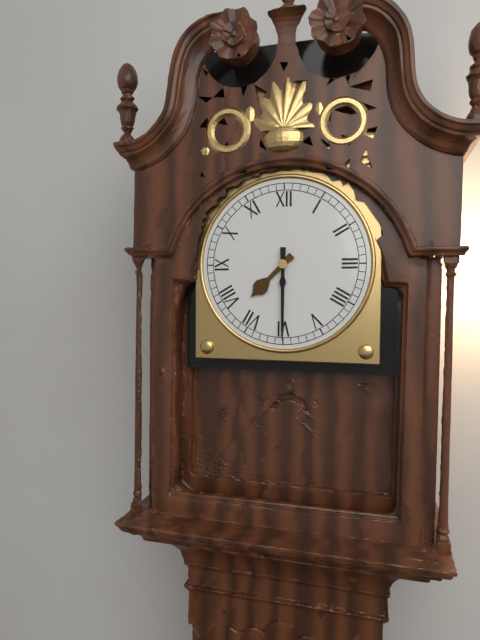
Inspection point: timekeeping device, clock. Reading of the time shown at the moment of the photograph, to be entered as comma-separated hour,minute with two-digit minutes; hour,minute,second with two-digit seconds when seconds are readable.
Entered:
7,30
